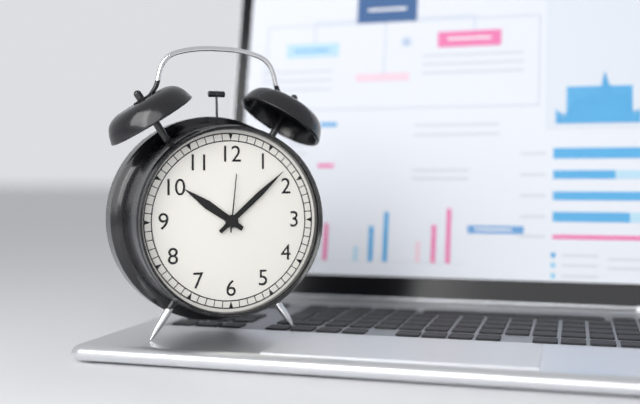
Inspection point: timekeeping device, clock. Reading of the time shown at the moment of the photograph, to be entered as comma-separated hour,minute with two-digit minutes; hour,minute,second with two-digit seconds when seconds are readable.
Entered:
10,08,01
